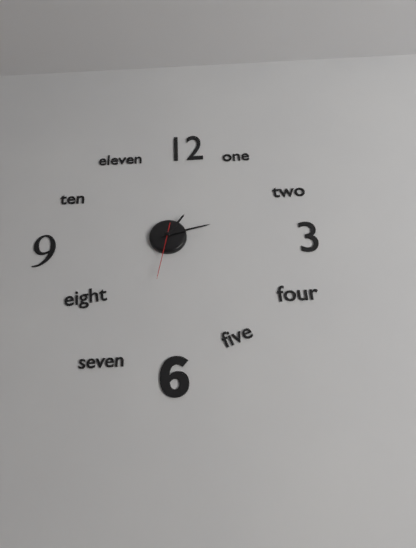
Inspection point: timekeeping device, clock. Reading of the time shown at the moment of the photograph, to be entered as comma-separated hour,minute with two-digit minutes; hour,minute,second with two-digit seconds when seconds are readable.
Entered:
1,13,32
